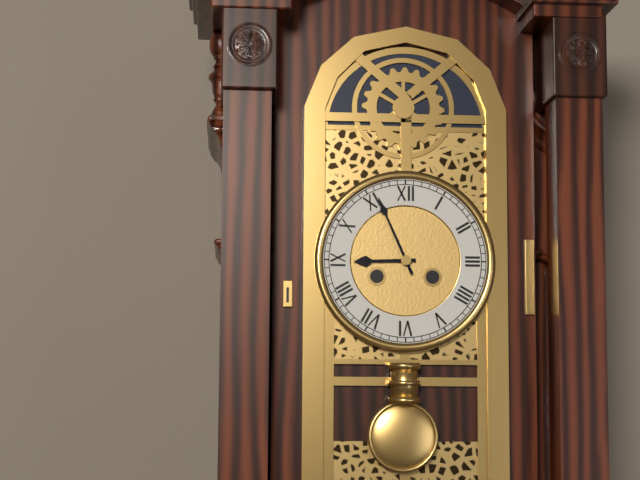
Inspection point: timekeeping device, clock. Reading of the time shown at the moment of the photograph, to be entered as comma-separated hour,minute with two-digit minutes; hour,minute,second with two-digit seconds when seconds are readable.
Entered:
8,56
